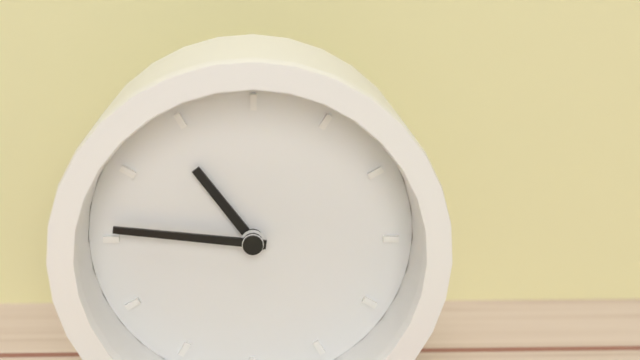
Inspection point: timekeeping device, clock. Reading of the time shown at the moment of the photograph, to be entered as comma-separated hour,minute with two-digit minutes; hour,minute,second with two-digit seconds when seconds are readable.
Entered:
10,46
